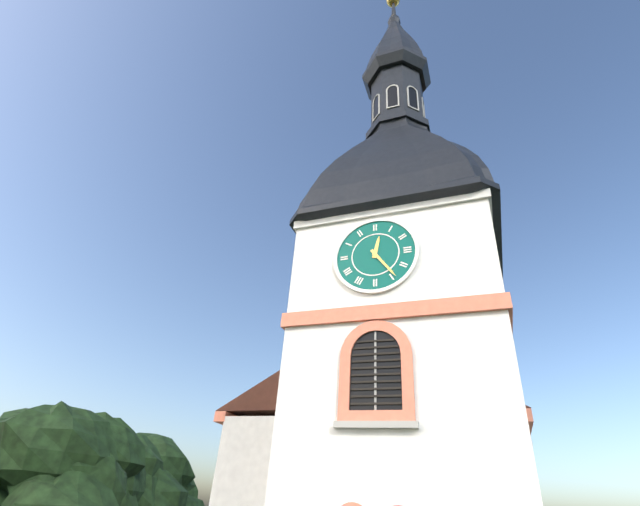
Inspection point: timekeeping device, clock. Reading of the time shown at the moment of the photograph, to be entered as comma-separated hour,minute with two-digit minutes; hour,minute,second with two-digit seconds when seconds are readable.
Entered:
12,24
